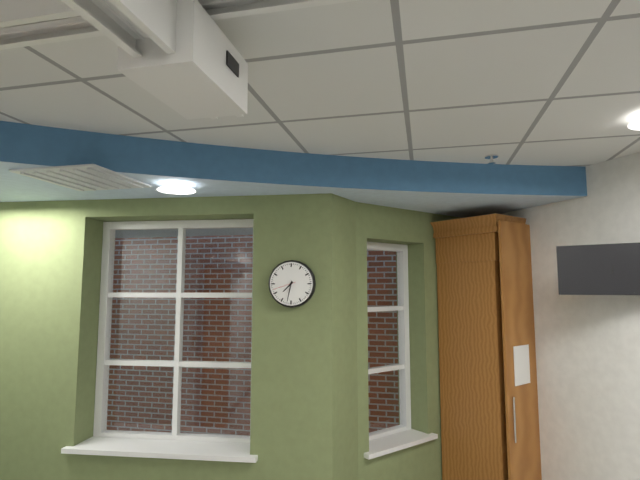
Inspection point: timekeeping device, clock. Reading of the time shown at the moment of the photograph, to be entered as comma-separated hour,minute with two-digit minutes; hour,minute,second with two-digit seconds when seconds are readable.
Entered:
7,32
